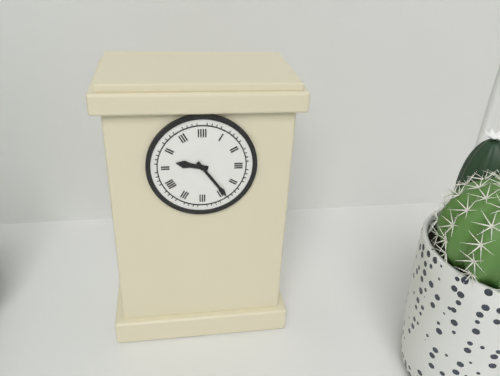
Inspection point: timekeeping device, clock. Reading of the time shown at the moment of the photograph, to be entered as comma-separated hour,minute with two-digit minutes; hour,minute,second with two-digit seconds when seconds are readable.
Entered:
9,24
